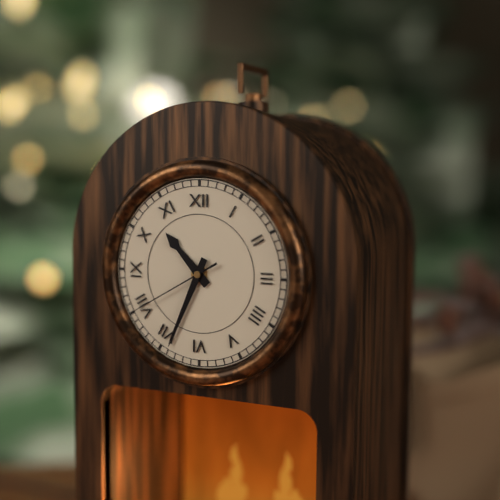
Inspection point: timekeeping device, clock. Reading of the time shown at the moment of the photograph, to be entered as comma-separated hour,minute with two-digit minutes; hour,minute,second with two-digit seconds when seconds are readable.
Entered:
10,34,40
